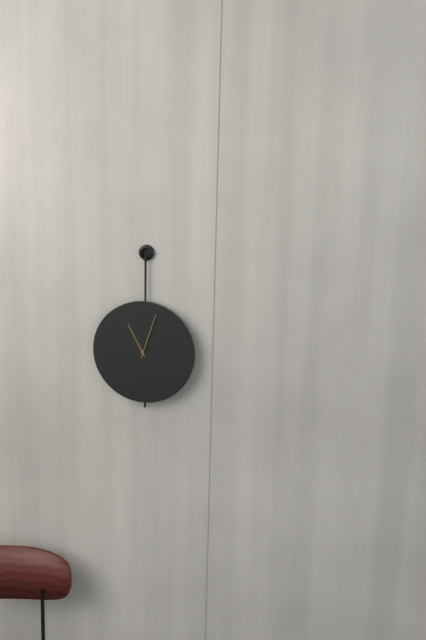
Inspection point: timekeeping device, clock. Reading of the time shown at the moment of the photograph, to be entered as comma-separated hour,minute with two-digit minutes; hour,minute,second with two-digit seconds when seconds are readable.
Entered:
11,03
